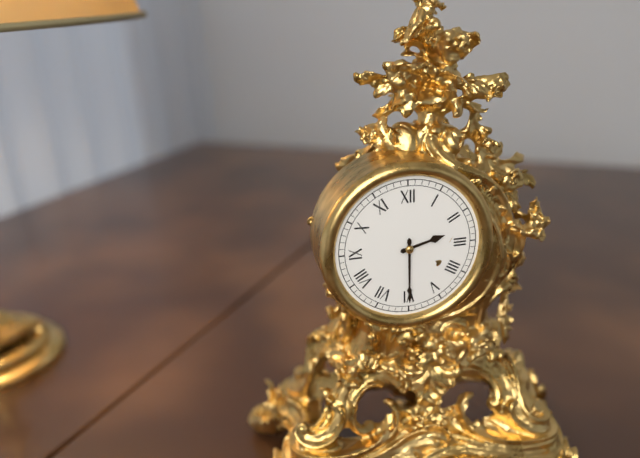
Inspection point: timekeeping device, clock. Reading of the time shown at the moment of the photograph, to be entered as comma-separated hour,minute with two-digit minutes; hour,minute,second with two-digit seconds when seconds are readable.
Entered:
2,30
